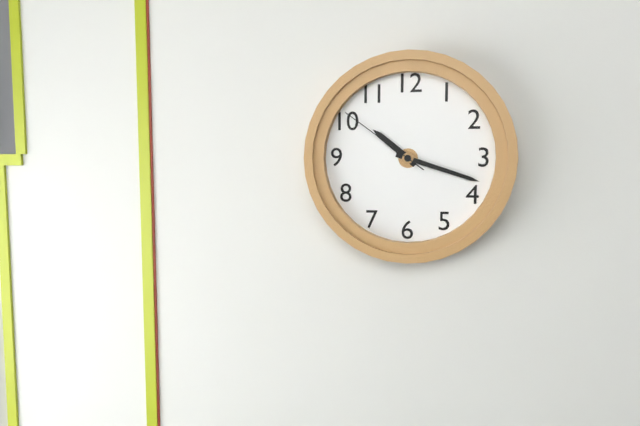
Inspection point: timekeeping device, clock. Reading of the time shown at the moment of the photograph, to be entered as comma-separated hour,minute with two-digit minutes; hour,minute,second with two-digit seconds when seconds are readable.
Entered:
10,18,51
